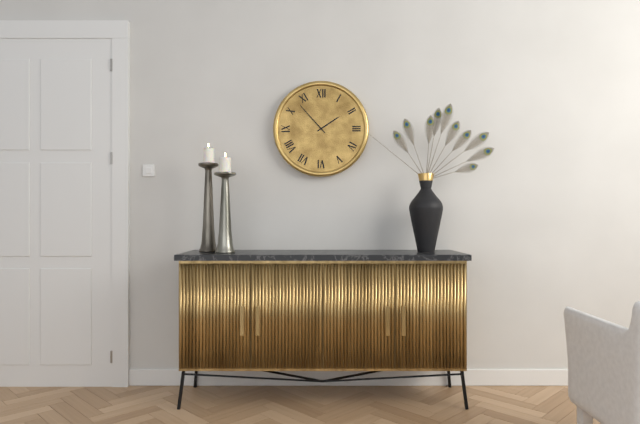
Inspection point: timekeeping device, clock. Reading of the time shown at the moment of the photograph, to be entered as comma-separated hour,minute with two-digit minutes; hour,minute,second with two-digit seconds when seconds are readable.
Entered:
1,53
